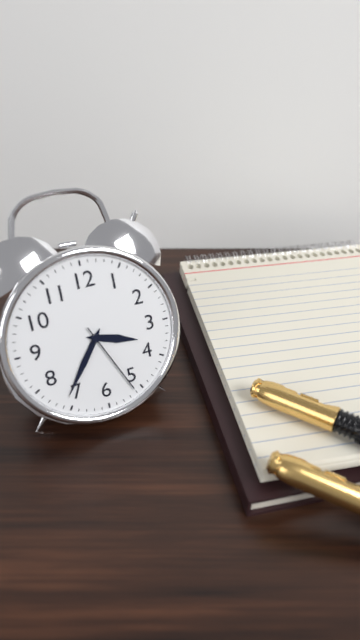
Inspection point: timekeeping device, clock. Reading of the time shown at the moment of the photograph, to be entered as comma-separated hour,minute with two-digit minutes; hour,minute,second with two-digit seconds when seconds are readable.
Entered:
3,36,26
